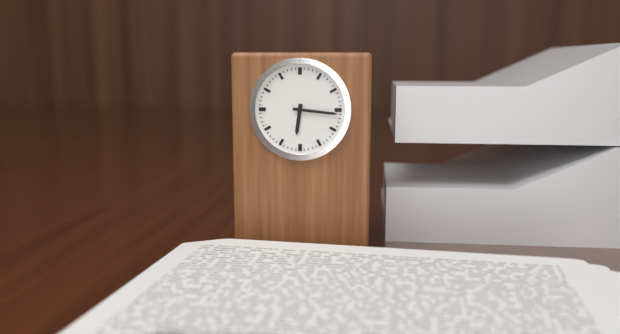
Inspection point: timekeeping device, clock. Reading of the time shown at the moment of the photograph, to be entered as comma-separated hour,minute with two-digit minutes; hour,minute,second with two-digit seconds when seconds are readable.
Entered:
6,16
